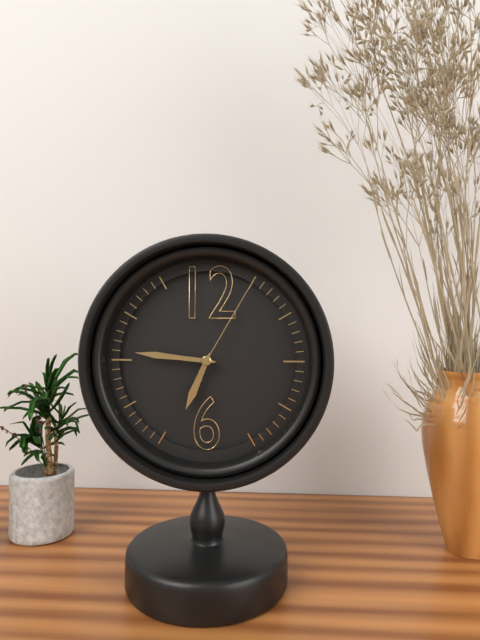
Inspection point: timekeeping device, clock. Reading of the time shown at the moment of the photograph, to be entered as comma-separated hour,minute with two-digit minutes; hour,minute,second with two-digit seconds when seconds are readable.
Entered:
6,46,05
